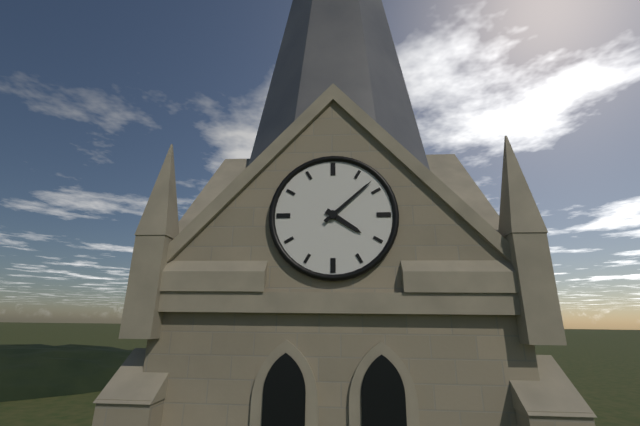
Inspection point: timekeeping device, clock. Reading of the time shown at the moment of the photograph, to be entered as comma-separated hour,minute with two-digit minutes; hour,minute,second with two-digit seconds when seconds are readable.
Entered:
4,08
